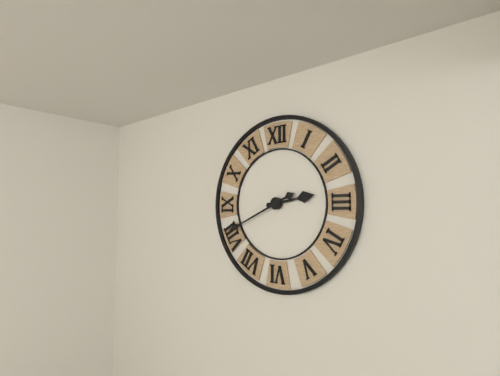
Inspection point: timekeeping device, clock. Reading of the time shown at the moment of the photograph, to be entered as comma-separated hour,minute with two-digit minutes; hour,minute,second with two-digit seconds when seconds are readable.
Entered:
2,41
